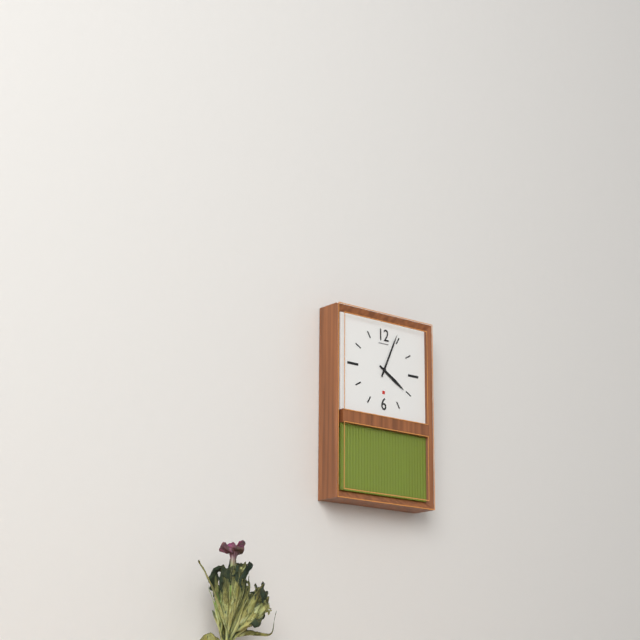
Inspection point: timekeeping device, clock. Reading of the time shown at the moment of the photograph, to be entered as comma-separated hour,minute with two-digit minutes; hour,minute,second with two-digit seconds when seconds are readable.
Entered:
4,04
